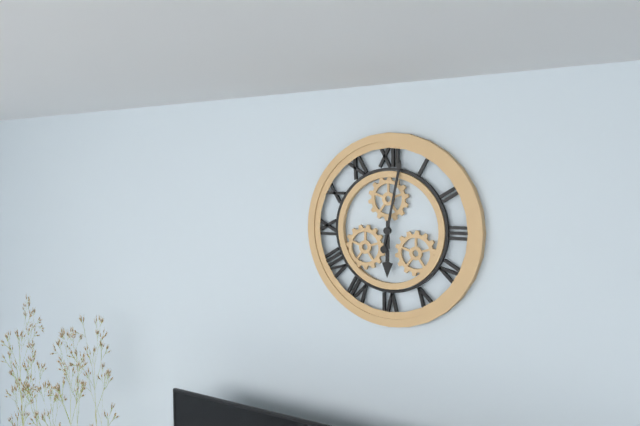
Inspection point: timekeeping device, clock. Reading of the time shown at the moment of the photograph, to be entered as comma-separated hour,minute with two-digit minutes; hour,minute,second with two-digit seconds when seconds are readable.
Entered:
6,02
